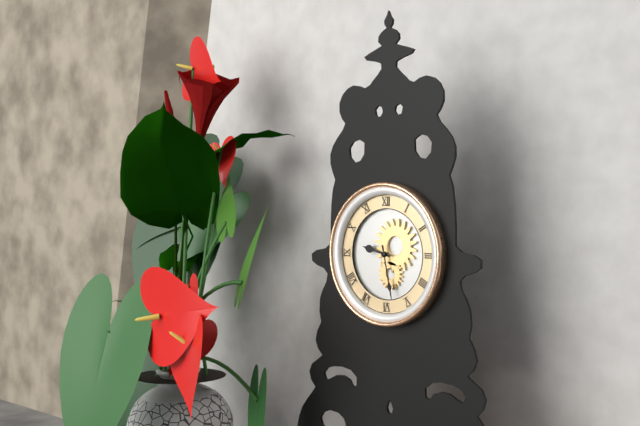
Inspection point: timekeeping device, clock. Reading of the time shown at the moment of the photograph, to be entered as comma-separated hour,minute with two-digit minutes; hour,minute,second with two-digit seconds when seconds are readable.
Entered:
9,28
